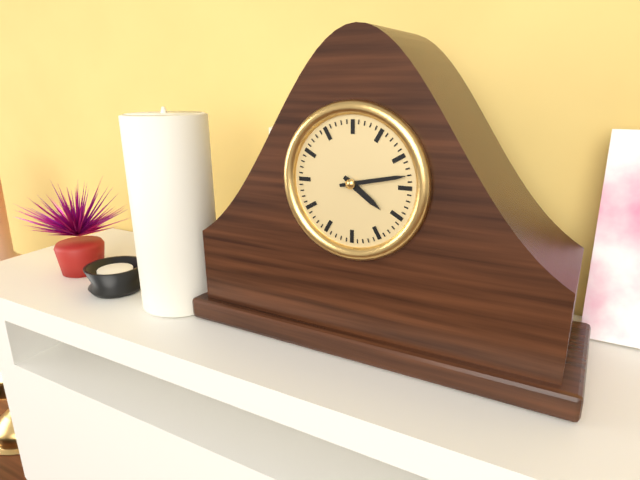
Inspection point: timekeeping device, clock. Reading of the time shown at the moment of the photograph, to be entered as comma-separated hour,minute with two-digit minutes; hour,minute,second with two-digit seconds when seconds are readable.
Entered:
4,13
